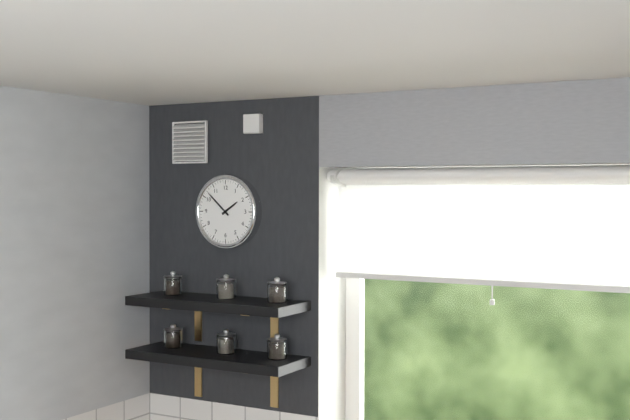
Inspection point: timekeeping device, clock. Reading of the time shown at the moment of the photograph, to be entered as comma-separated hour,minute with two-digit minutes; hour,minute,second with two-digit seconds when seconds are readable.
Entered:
1,52
